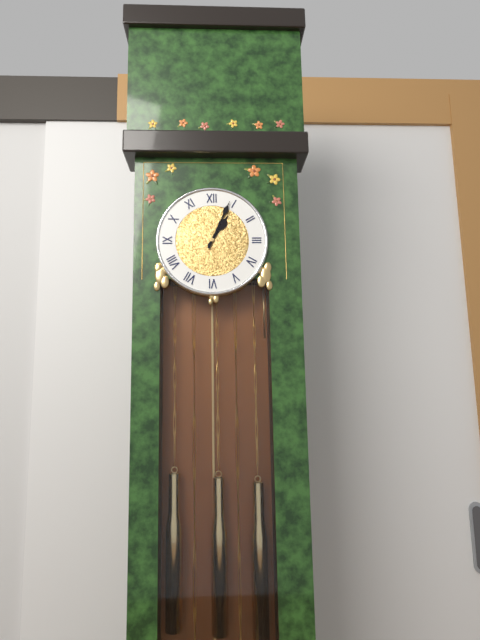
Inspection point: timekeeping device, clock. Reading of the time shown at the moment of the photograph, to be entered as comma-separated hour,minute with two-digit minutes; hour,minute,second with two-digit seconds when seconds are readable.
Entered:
1,04
